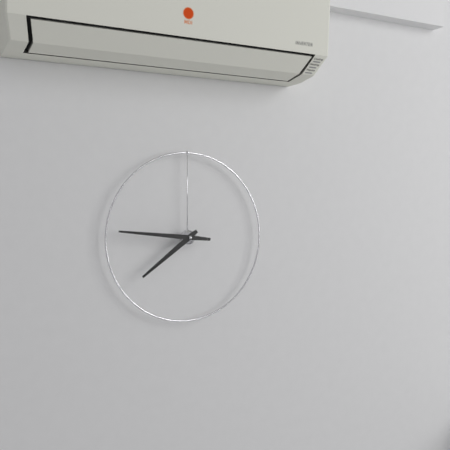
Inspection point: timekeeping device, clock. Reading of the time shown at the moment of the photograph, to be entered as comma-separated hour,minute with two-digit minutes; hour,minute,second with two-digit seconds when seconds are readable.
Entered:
7,46
